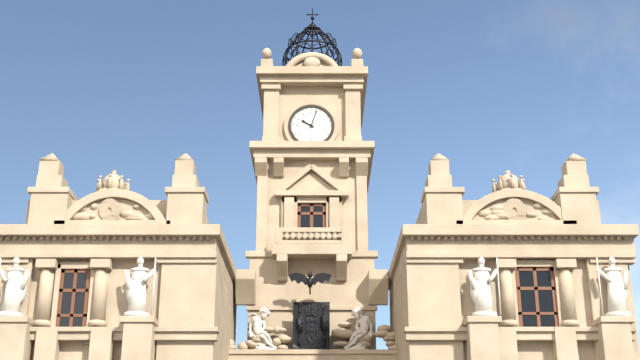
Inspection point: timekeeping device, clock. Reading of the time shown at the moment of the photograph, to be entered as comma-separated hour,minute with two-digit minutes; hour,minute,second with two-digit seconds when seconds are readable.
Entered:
10,03
